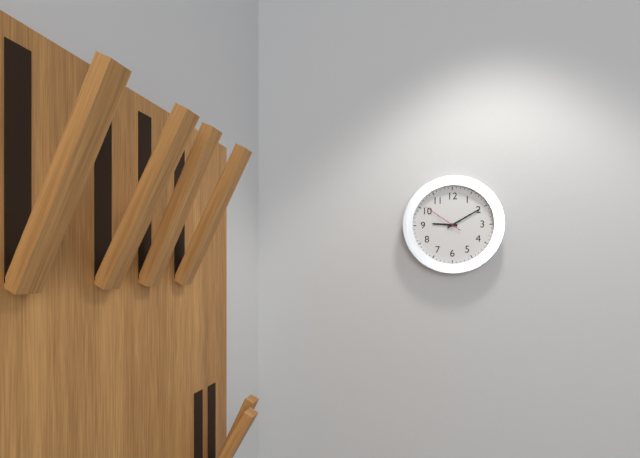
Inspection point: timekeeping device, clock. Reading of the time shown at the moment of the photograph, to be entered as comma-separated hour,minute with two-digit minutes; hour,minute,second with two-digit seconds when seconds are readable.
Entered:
9,10
